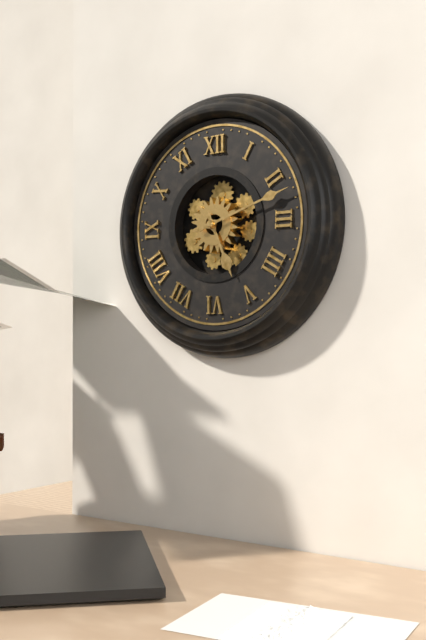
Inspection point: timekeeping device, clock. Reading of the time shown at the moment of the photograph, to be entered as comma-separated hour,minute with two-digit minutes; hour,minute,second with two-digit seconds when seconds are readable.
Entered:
5,12
